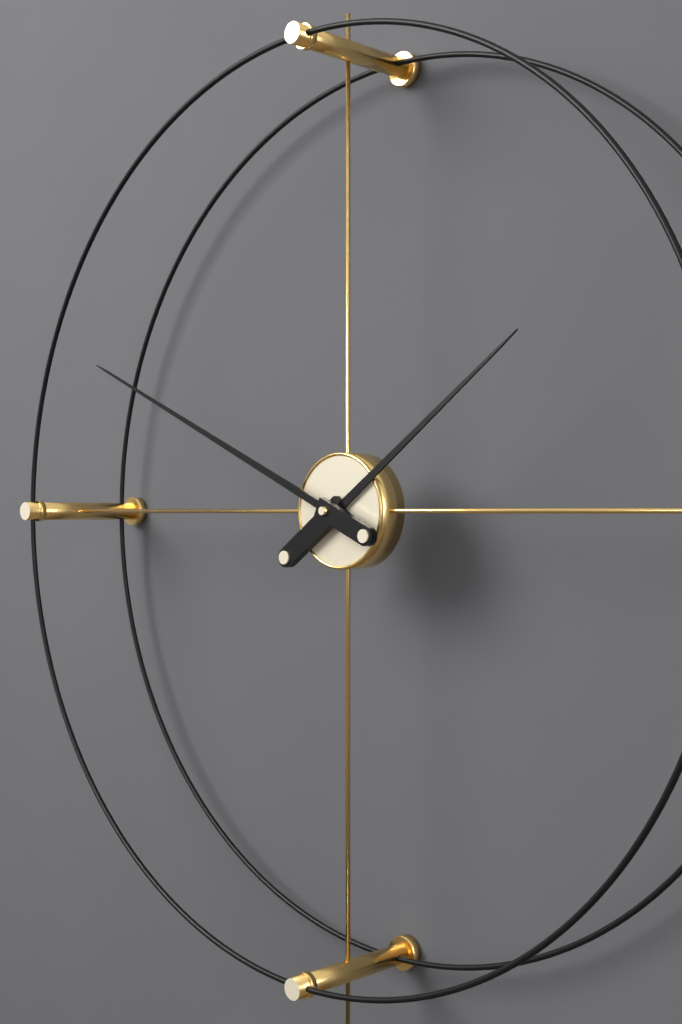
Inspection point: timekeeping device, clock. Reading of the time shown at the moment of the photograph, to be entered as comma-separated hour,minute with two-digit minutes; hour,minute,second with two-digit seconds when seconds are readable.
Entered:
1,49
